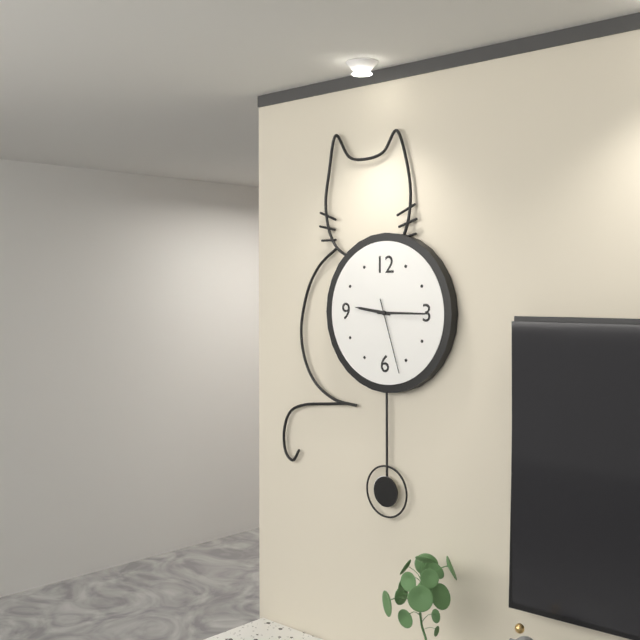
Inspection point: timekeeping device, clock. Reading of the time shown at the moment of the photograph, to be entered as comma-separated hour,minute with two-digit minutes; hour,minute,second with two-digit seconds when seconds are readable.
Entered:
9,15,27
